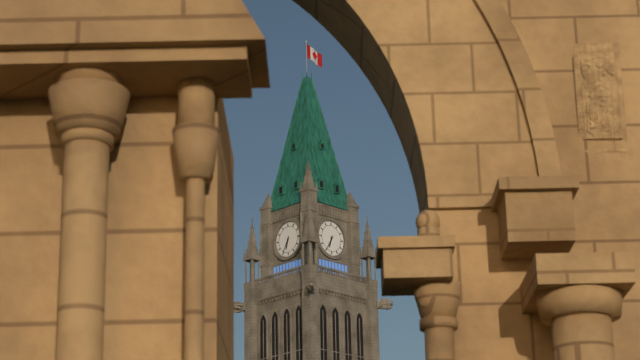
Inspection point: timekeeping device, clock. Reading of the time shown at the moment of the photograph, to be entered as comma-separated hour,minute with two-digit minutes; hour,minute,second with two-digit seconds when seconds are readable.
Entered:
6,35
